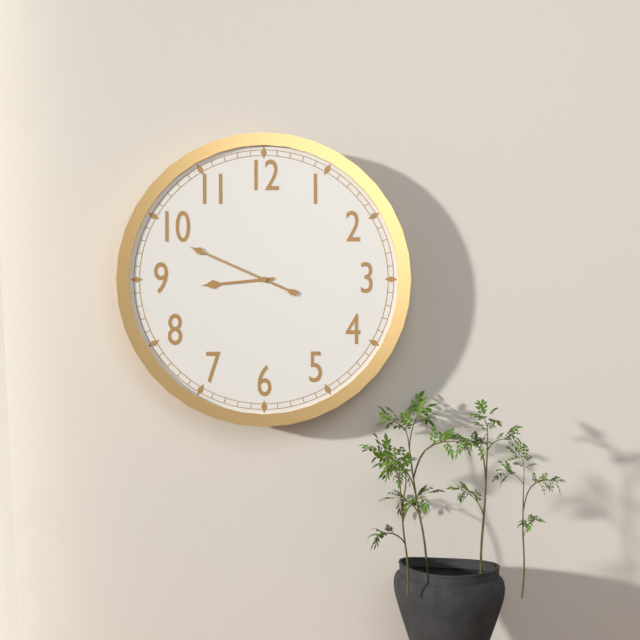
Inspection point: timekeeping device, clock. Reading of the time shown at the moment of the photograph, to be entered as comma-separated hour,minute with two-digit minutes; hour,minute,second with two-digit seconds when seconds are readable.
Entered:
8,49
